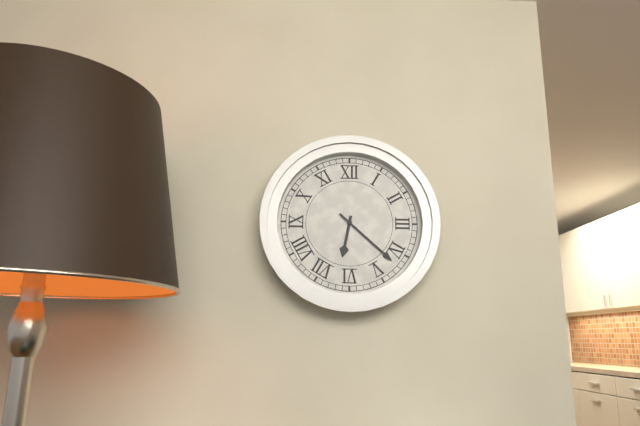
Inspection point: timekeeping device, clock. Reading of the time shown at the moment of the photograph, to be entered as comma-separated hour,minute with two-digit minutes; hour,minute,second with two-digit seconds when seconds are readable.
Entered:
6,22
